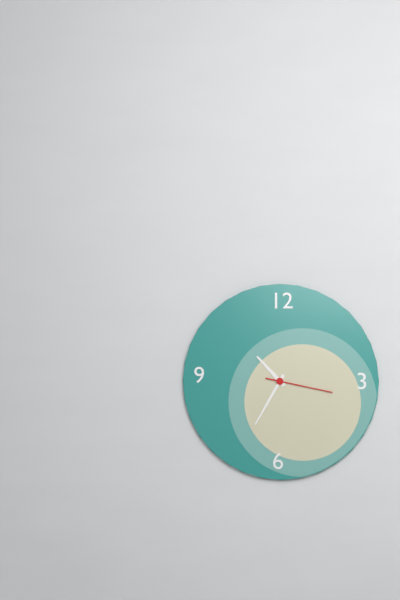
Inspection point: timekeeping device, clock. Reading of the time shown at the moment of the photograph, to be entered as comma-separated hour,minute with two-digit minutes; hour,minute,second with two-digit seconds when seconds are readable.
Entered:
10,35,17
